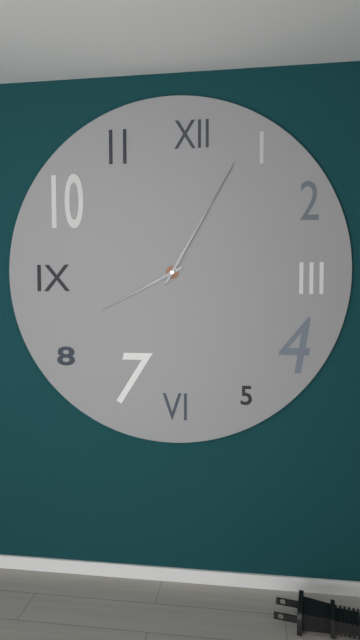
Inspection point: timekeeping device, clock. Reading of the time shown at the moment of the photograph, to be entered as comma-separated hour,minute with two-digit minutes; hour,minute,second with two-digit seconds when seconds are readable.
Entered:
8,05
